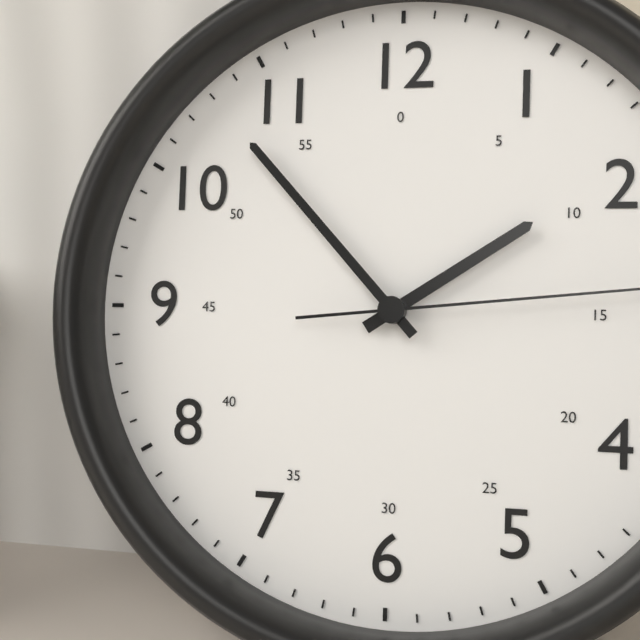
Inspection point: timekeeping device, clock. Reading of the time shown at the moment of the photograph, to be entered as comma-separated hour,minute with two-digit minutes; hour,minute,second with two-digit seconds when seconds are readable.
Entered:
1,53
